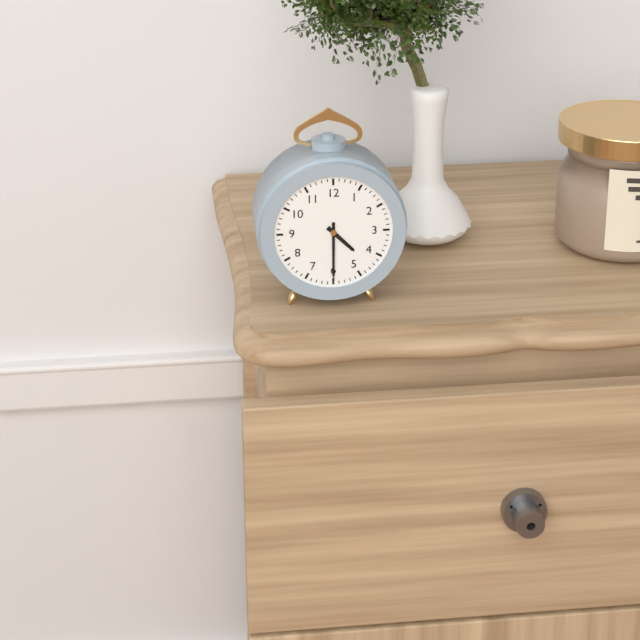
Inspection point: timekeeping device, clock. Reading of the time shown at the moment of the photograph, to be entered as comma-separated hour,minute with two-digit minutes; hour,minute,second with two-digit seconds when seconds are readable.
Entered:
4,30
